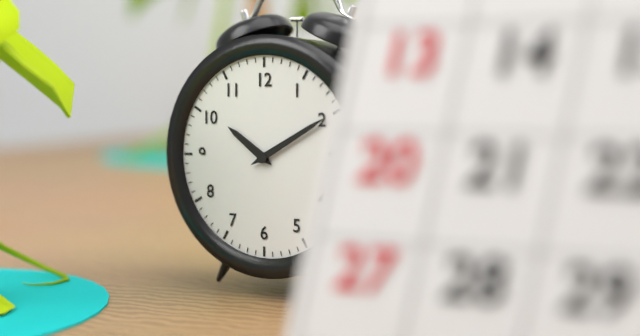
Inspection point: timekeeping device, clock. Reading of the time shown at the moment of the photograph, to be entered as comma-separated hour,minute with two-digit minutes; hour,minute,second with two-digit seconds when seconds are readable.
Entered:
10,10
